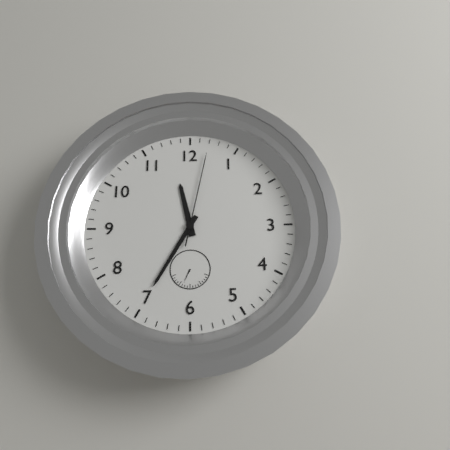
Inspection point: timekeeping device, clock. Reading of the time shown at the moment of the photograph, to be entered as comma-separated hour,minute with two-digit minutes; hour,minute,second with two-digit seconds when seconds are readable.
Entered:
11,35,02
